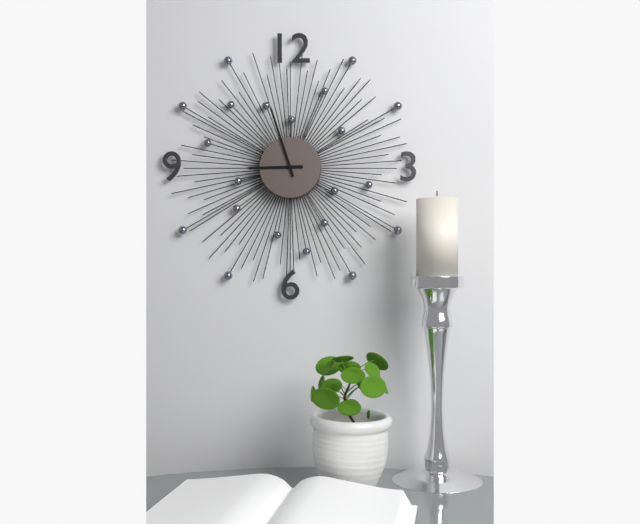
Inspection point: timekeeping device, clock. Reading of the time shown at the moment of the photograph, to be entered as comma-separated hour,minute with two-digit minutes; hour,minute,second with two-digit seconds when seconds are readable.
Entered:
8,57
